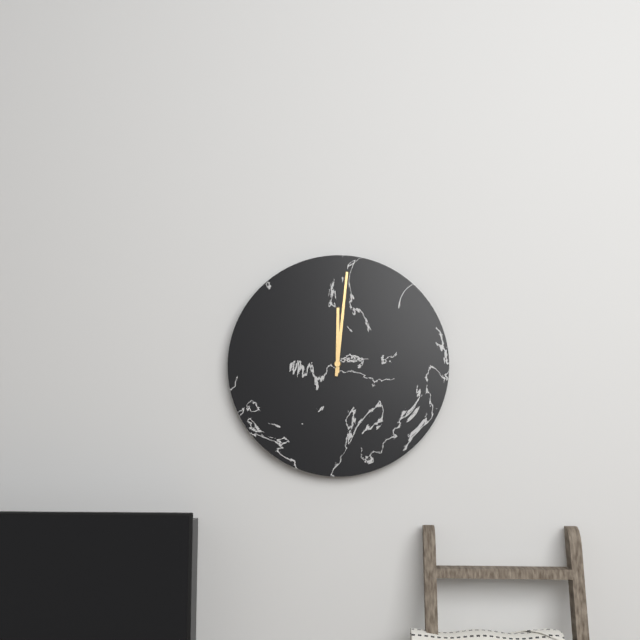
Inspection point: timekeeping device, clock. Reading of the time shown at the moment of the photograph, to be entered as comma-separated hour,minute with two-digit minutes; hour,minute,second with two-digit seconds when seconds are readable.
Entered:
12,01
